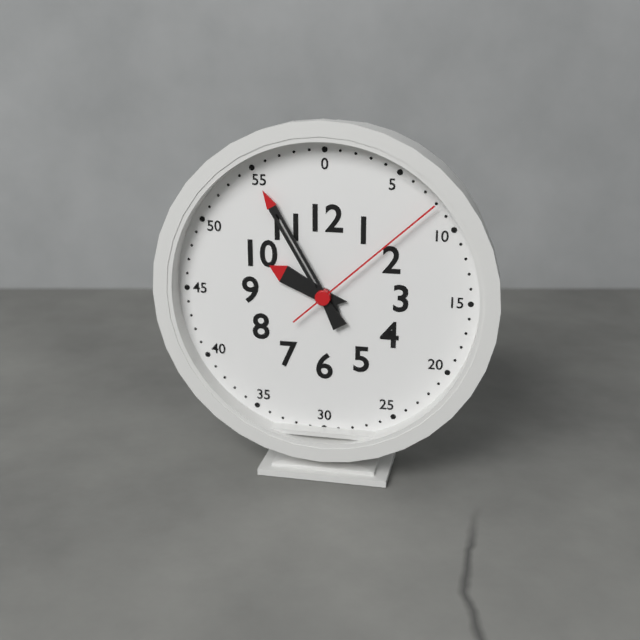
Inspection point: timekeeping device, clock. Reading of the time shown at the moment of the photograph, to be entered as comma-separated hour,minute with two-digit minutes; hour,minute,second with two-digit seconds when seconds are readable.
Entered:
9,55,08
